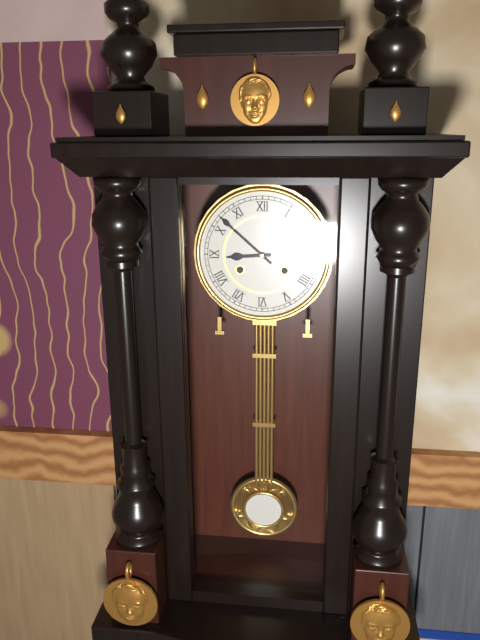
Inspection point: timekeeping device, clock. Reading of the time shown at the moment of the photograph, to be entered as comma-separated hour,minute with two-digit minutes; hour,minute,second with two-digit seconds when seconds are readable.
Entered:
8,52
